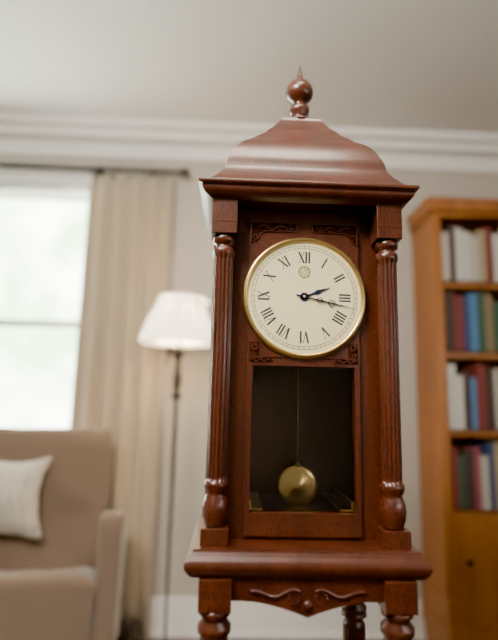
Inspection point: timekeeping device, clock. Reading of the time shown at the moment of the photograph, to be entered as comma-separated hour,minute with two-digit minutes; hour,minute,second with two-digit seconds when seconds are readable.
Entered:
2,17
